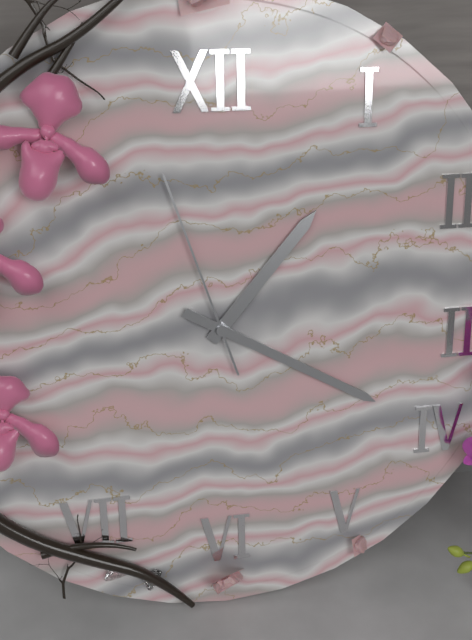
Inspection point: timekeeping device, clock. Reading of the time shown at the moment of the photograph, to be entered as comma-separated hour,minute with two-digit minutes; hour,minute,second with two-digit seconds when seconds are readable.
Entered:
1,20,57
